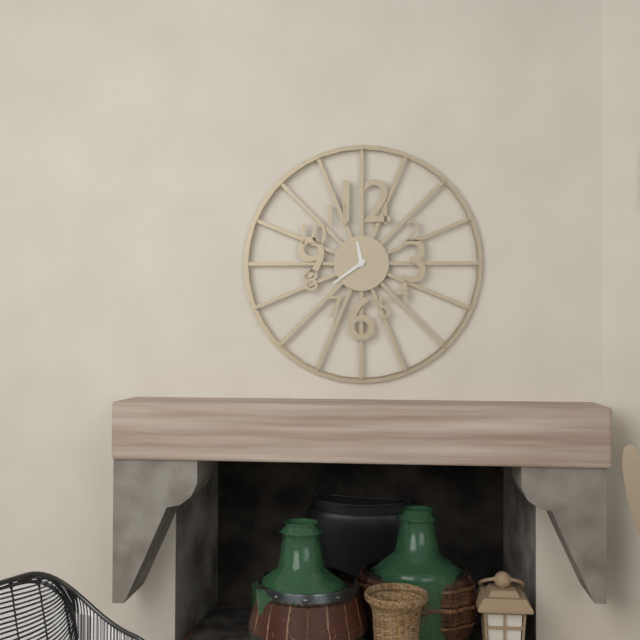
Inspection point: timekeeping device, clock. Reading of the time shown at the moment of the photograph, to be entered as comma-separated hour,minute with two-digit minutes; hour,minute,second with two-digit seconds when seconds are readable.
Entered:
11,39
